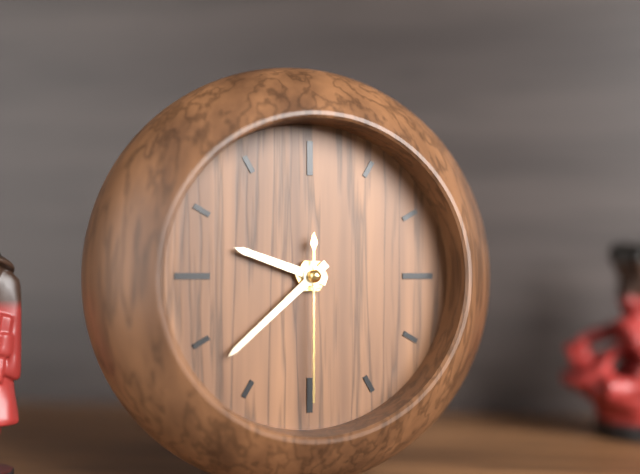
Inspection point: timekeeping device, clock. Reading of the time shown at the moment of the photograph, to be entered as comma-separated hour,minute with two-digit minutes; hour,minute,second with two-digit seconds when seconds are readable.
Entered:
9,38,30
